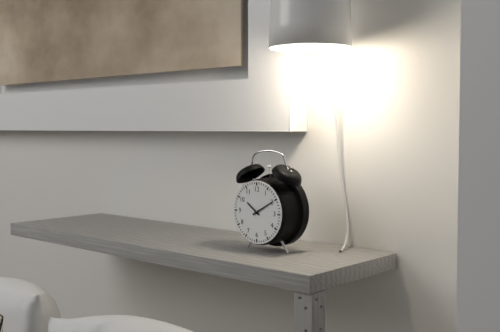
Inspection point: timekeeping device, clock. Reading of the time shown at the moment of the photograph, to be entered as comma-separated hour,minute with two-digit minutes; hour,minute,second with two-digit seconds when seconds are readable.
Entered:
10,10
